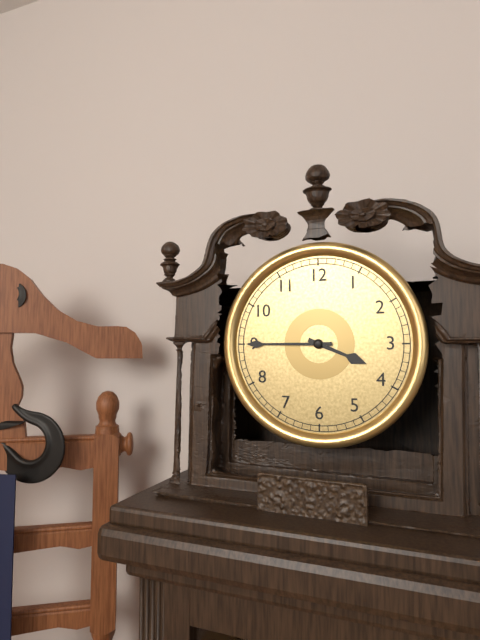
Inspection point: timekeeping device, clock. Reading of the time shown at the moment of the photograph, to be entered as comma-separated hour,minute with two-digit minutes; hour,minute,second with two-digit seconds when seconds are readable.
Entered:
3,45
